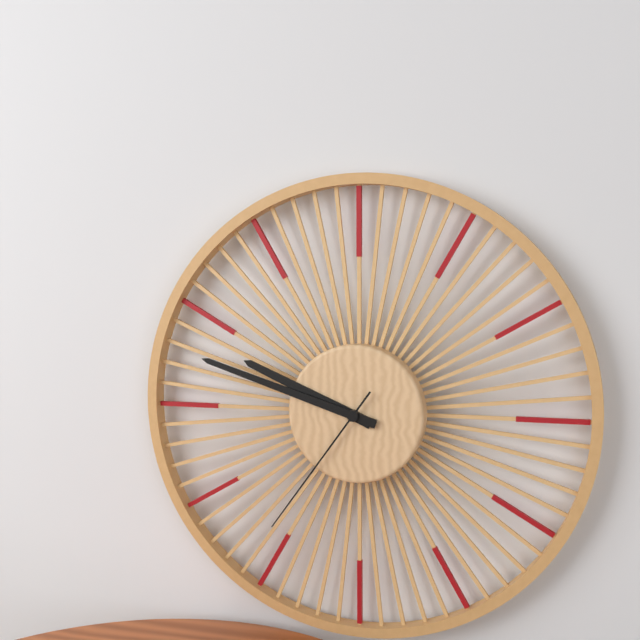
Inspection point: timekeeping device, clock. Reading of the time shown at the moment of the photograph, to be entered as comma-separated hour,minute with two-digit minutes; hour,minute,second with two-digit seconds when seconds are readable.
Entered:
9,48,36
